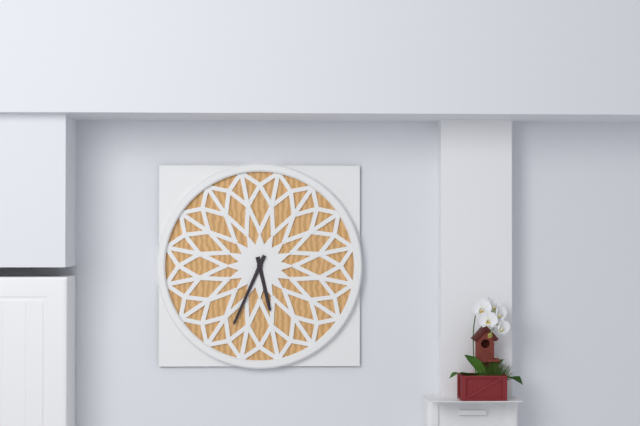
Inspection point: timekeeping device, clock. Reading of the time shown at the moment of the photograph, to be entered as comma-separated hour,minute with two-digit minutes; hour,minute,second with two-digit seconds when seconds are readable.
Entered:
5,34
